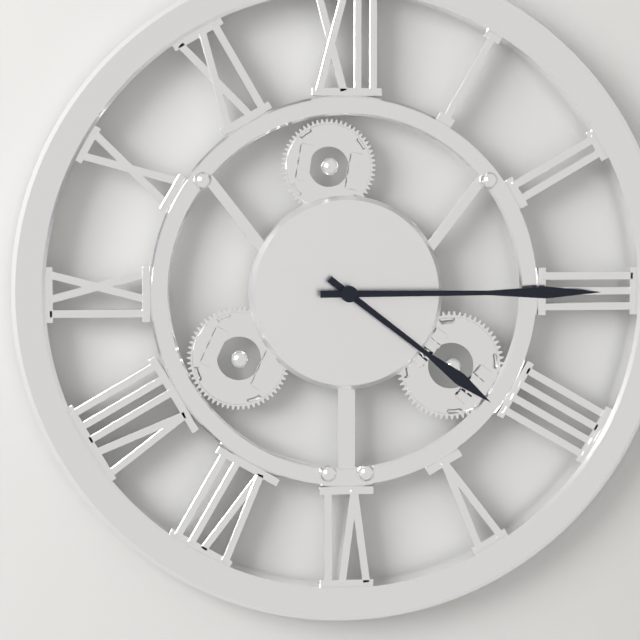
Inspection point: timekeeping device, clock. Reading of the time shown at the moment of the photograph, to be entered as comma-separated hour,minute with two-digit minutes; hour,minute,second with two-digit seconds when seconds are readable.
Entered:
4,15
